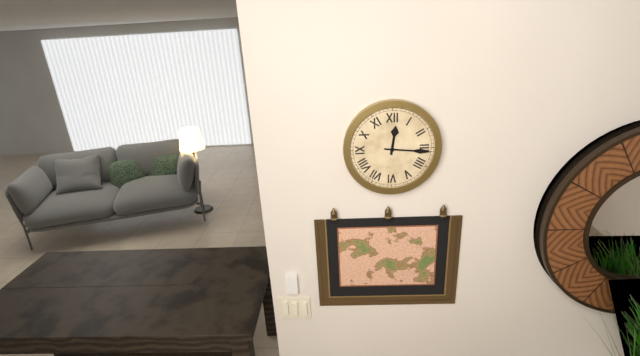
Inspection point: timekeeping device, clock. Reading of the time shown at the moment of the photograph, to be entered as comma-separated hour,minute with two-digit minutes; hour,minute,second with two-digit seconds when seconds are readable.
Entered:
12,16
